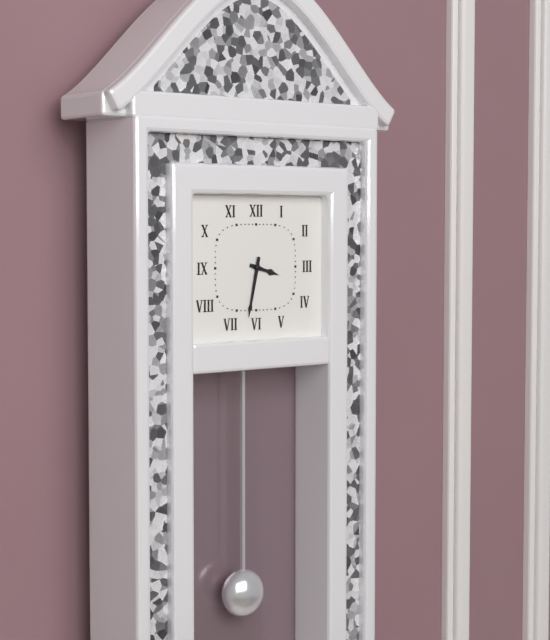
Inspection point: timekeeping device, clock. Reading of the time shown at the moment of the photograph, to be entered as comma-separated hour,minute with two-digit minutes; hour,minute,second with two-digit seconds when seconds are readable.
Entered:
3,32
